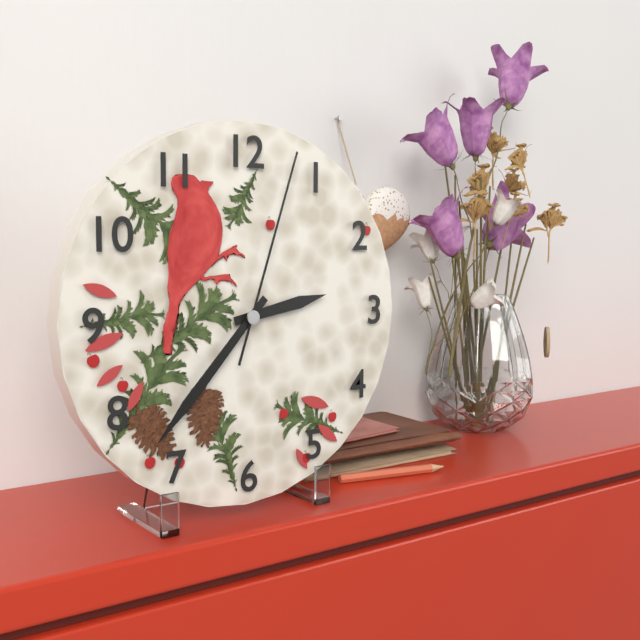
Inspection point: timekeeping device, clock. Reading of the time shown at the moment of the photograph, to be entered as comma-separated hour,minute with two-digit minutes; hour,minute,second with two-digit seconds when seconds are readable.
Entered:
2,37,03
